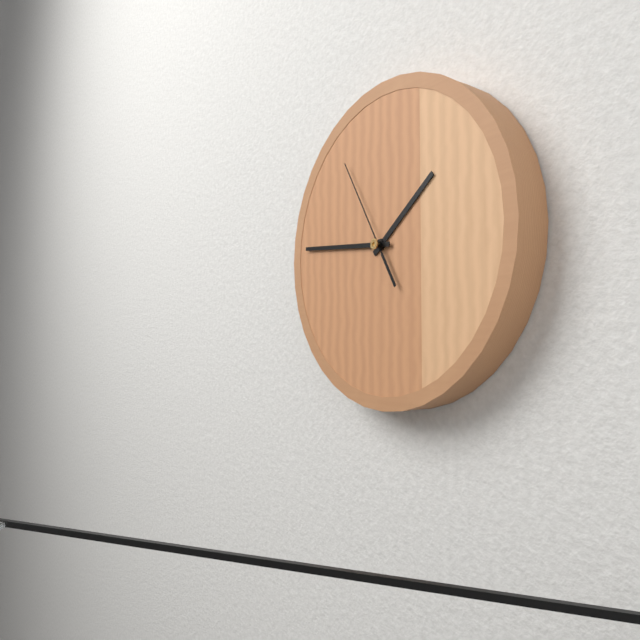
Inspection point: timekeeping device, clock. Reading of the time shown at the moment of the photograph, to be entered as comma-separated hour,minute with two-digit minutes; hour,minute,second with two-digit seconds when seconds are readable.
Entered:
1,46,55
